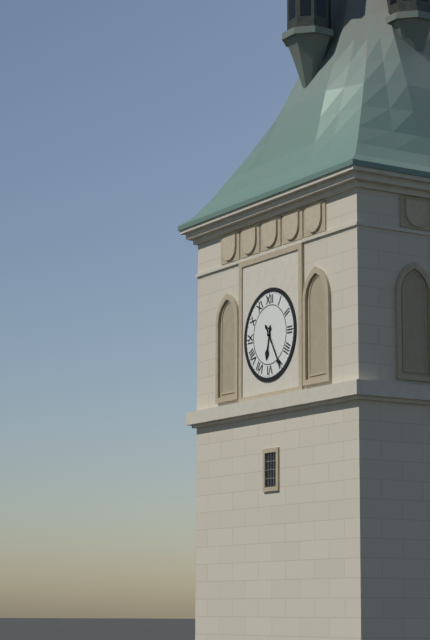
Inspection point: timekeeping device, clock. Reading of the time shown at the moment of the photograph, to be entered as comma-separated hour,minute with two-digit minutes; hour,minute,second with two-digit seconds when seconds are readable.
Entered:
6,25
